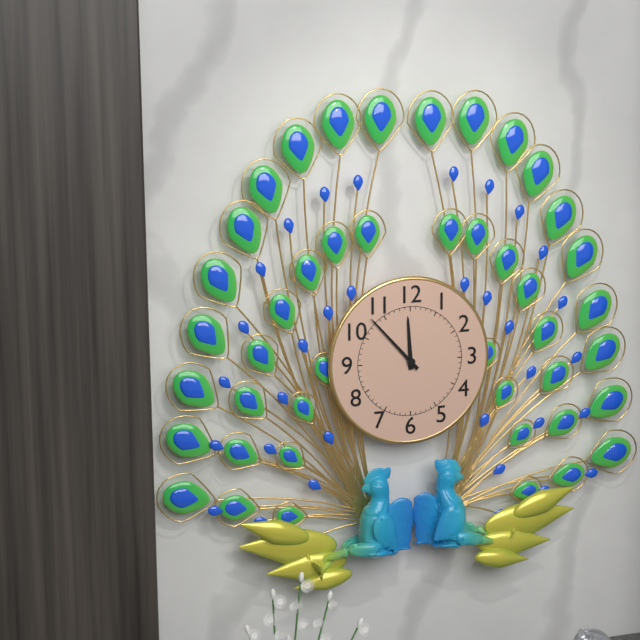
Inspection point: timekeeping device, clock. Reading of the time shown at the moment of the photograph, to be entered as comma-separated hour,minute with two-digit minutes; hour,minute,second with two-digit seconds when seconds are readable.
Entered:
11,53
